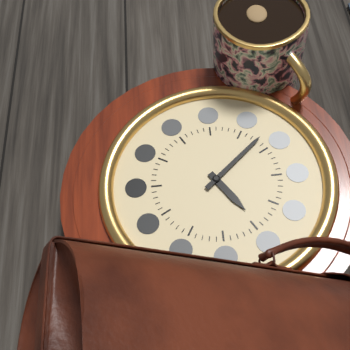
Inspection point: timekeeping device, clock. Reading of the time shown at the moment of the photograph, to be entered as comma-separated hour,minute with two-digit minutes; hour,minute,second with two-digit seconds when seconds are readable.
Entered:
1,53
